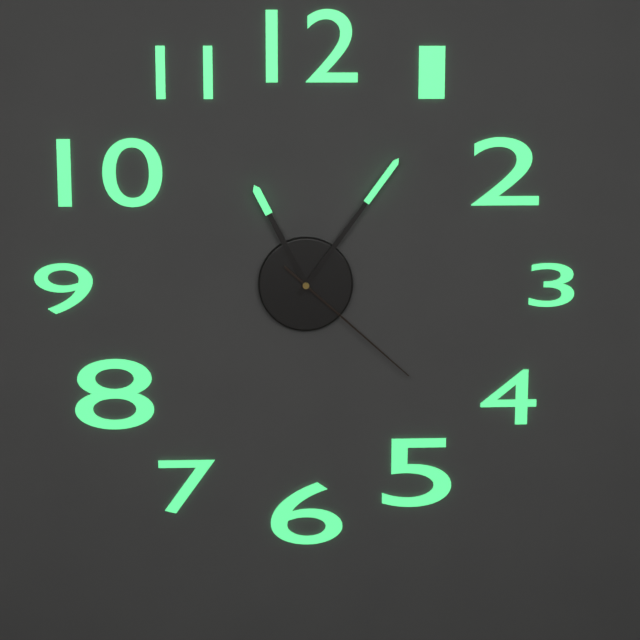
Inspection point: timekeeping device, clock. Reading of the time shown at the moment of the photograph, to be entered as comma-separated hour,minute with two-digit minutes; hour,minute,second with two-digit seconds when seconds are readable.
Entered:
11,06,22
